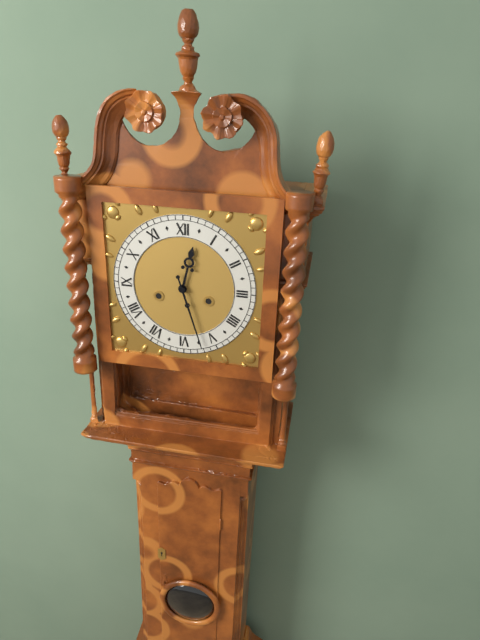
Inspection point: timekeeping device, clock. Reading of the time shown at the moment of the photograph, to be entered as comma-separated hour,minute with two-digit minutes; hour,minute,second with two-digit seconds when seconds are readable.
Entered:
12,27
